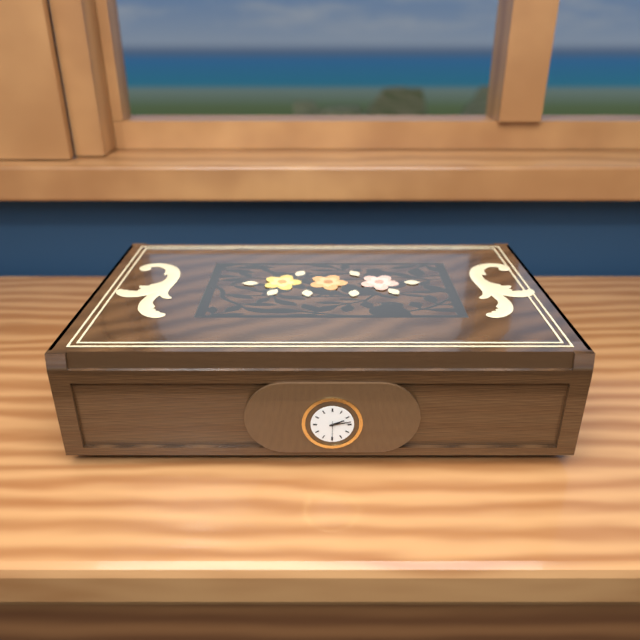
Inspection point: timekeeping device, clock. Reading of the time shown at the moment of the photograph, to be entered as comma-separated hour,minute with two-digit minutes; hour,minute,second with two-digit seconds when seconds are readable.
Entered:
2,13,30
